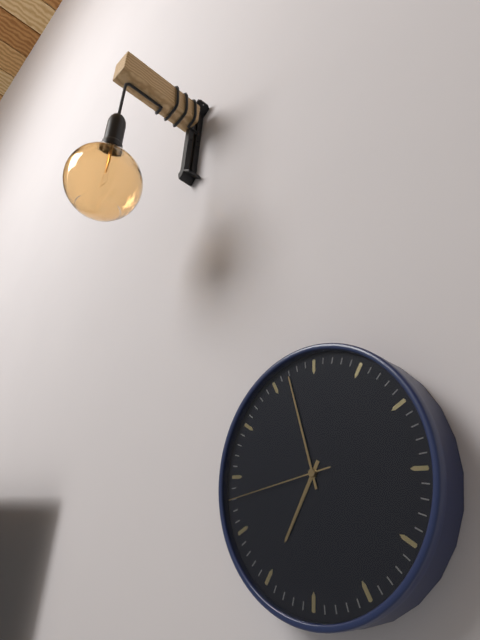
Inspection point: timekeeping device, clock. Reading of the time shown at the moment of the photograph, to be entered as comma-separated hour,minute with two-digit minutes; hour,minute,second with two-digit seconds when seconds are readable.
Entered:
6,57,43
